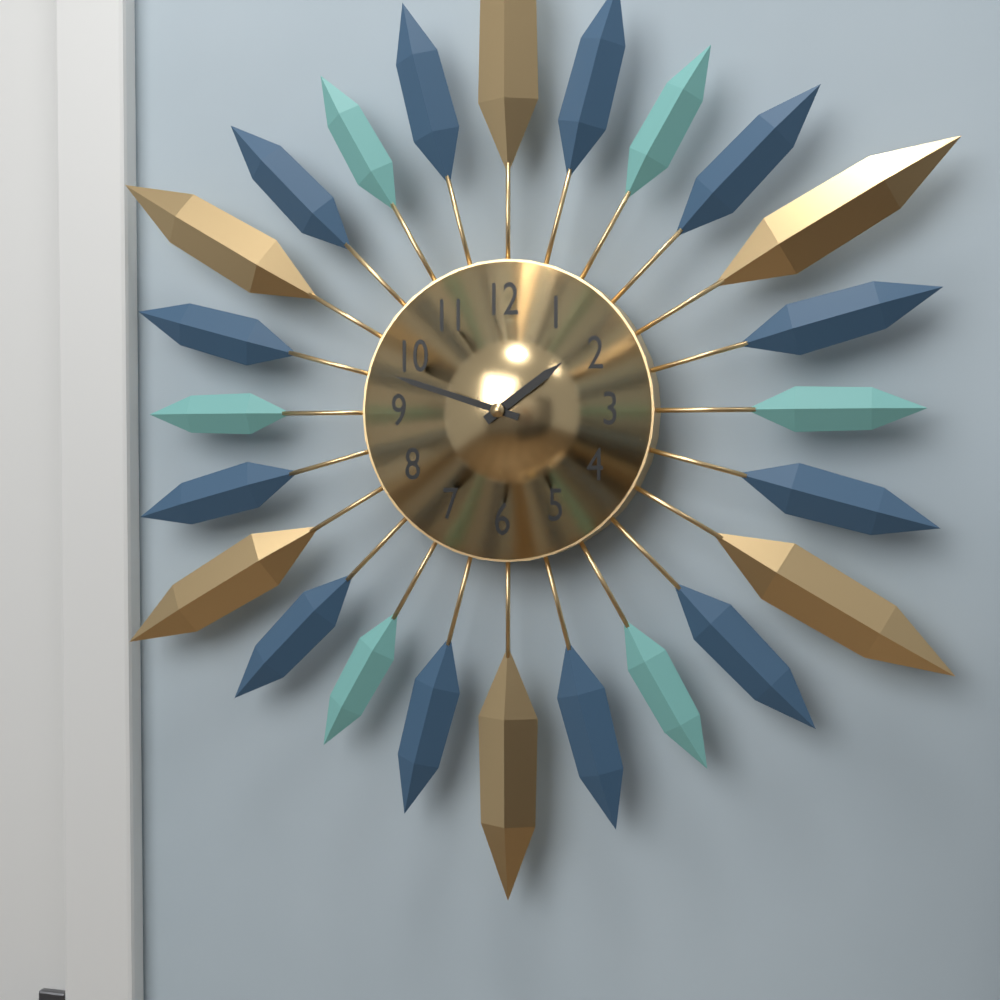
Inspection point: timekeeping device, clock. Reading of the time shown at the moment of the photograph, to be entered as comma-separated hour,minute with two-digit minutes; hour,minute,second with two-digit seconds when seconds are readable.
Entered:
1,48
